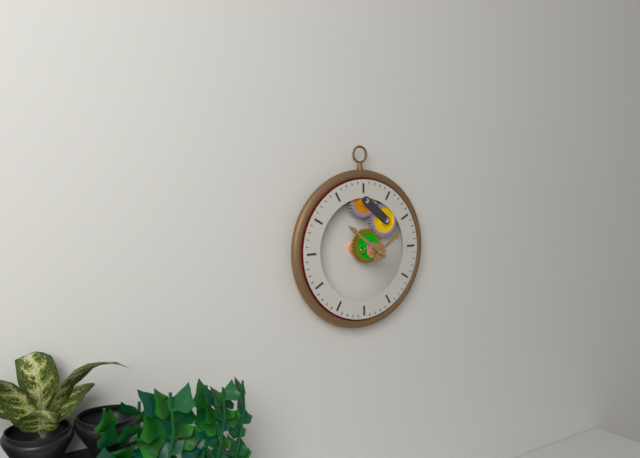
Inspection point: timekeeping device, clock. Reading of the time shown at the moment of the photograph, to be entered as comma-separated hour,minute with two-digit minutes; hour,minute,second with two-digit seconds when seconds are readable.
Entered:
1,51
